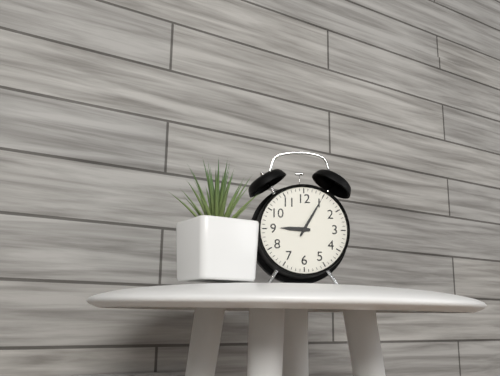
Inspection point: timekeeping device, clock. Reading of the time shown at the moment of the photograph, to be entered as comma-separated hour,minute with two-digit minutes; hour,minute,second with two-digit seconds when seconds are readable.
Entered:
9,05
